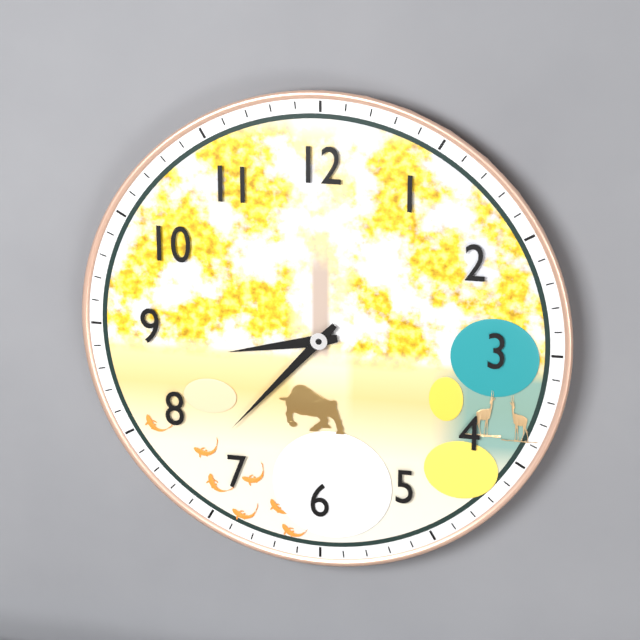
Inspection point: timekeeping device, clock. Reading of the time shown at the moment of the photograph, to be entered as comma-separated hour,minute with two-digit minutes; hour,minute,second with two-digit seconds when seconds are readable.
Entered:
8,37
